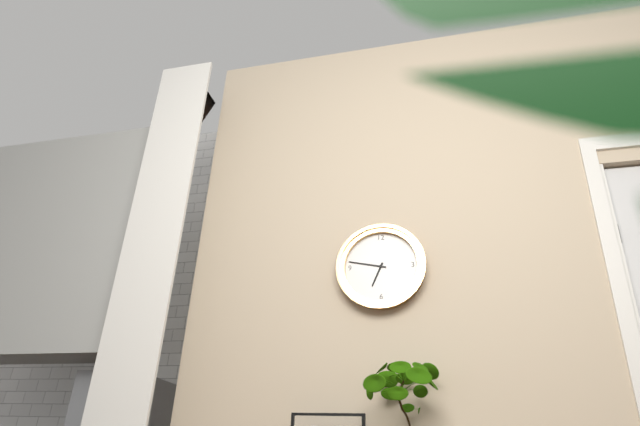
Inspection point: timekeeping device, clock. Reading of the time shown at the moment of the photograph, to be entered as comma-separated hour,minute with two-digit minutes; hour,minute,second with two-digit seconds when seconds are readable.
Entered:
6,47
